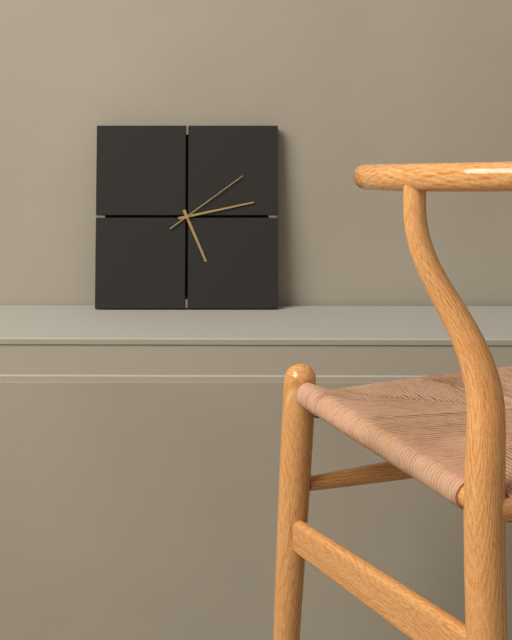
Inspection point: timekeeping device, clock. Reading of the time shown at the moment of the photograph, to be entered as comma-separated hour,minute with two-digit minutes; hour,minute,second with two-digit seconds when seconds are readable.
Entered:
5,13,09
